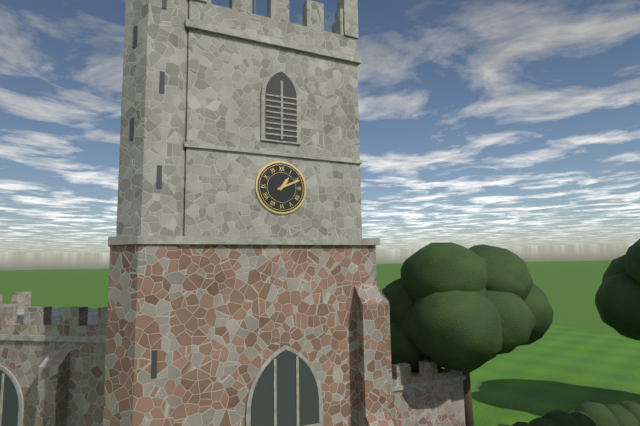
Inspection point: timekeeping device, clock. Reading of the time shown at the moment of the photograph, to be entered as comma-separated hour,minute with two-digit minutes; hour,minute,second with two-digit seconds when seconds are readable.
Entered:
1,11
